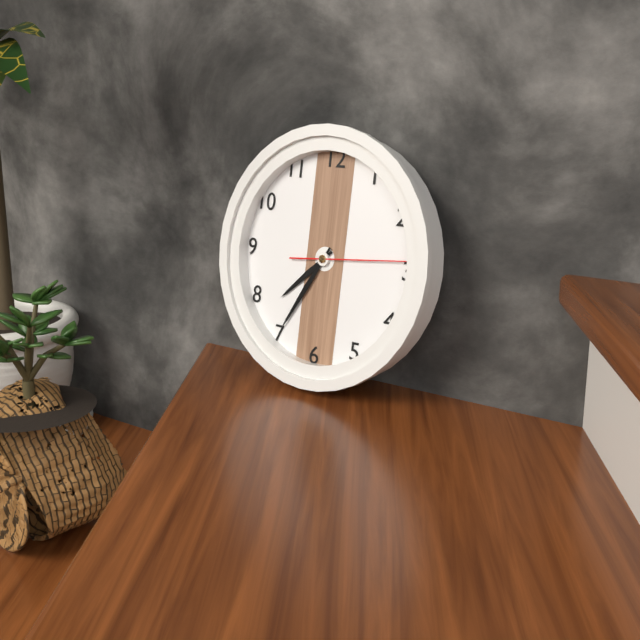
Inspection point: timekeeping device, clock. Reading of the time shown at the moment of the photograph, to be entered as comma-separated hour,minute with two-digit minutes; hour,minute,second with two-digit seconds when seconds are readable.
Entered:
7,35,14
